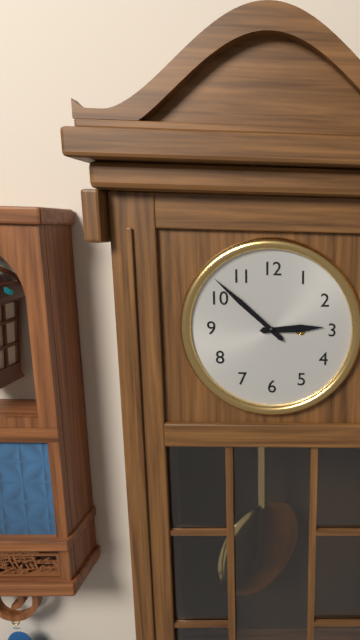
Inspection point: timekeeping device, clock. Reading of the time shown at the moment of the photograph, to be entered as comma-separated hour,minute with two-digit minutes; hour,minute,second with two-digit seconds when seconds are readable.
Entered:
2,52
